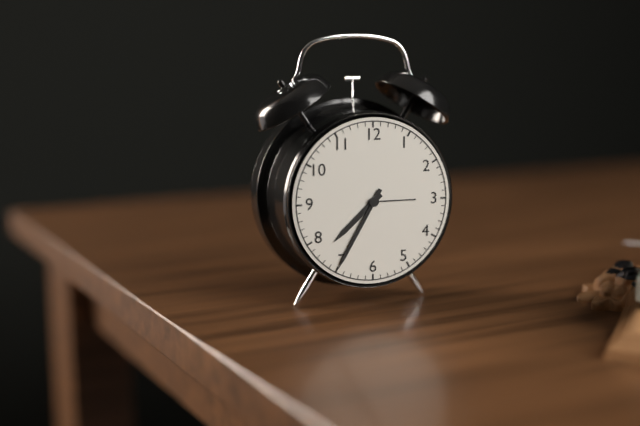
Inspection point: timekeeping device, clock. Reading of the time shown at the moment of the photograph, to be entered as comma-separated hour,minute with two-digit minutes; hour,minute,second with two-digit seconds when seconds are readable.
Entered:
7,35
